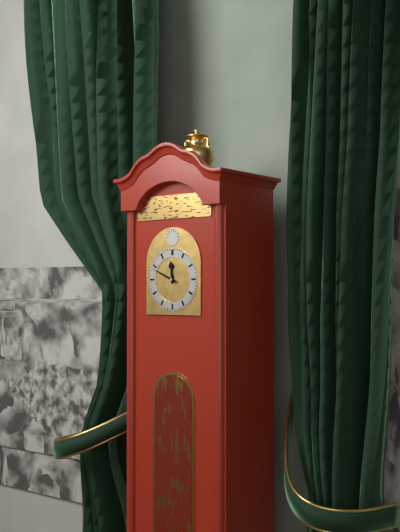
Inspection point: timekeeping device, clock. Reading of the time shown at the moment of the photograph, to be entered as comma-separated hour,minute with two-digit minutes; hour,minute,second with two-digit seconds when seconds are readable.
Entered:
11,49
